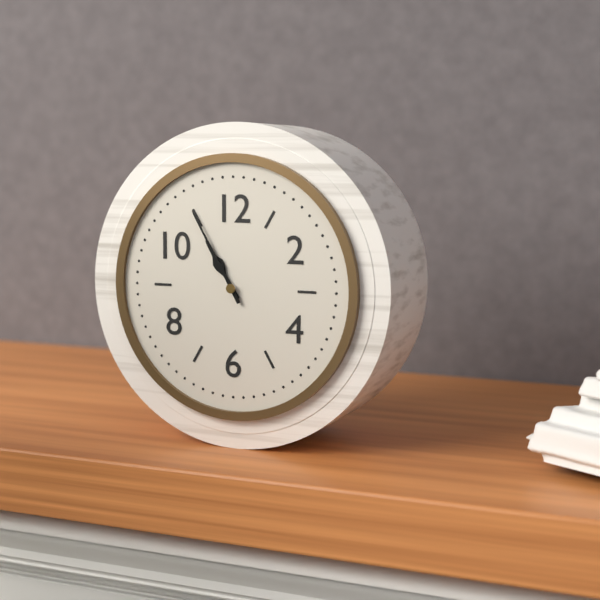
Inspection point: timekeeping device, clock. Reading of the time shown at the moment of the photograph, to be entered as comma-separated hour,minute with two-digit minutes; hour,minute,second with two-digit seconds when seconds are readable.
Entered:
10,55
